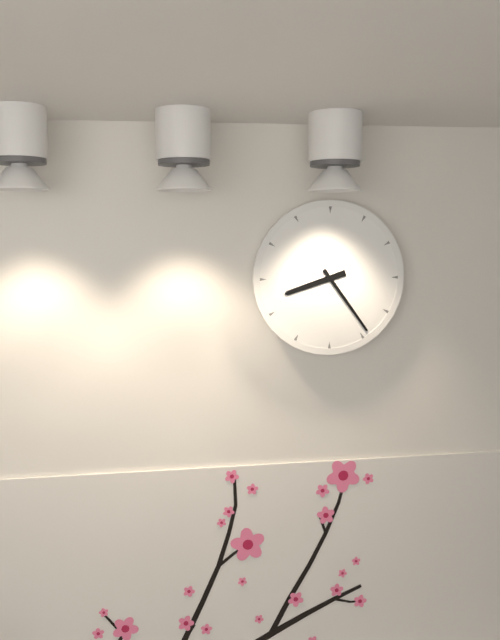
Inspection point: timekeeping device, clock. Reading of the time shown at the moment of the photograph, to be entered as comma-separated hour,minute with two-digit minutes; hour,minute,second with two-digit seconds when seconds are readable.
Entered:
8,24
